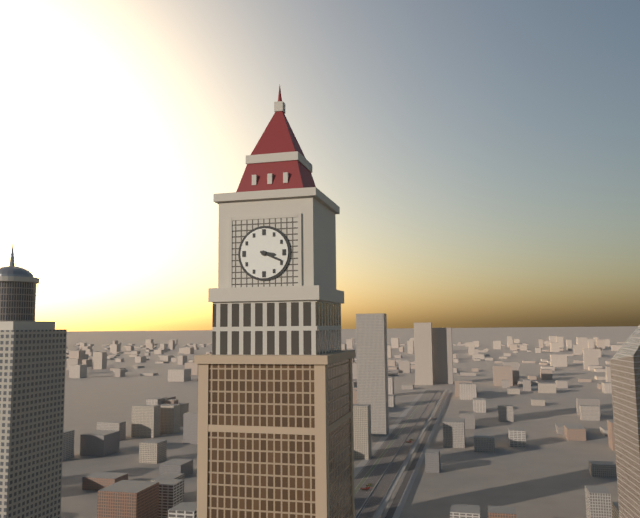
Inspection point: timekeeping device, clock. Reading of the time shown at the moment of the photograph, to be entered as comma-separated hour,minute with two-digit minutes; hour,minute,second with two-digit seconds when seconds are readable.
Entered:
3,19
